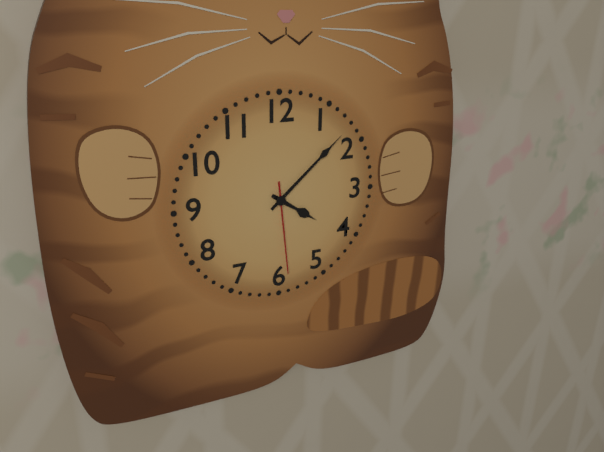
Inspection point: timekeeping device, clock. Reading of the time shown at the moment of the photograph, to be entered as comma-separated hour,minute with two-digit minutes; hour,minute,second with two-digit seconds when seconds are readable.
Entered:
4,08,29
